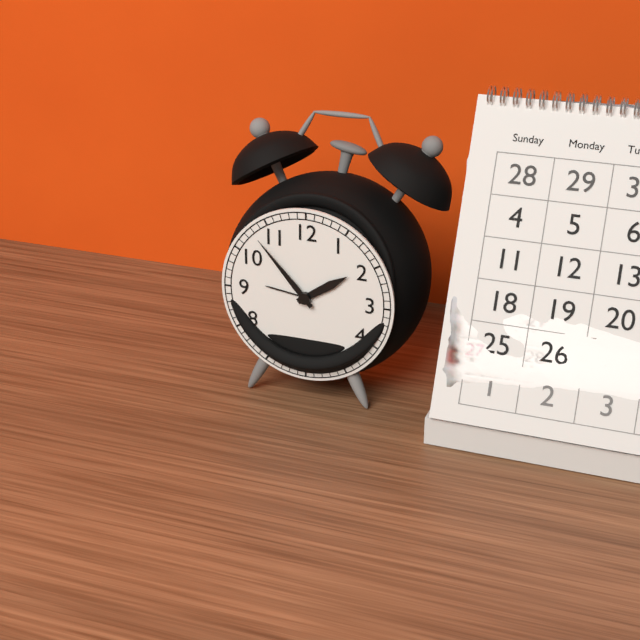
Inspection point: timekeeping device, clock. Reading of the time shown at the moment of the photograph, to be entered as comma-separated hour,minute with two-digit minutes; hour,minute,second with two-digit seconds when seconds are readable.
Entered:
1,53
